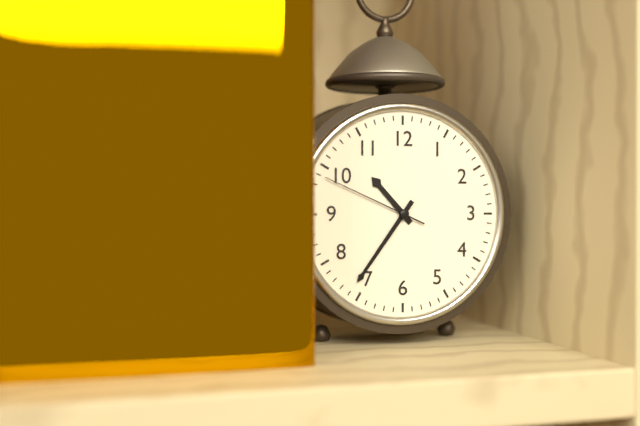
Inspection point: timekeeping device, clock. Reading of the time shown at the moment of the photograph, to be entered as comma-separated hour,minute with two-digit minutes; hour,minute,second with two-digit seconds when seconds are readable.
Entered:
10,36,49
